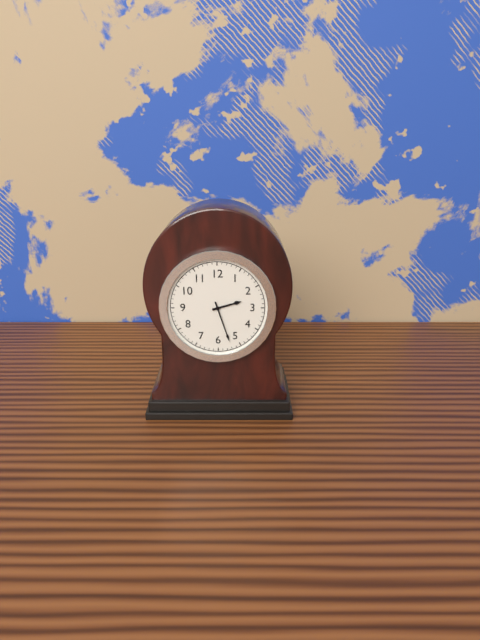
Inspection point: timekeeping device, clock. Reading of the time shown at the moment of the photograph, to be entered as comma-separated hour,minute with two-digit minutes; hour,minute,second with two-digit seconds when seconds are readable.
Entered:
2,27
